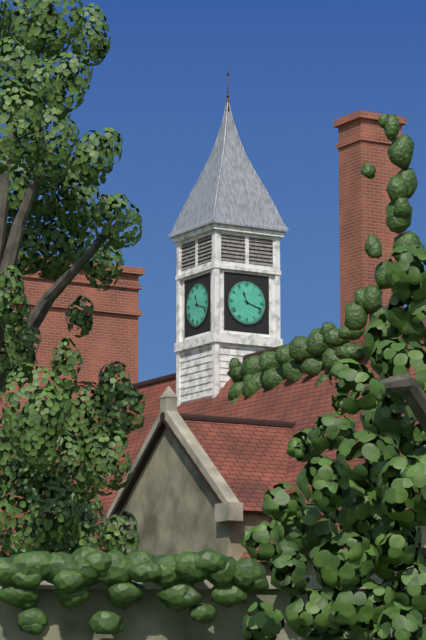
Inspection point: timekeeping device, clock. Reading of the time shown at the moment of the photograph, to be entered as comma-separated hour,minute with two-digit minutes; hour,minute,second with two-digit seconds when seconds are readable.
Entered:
11,18
